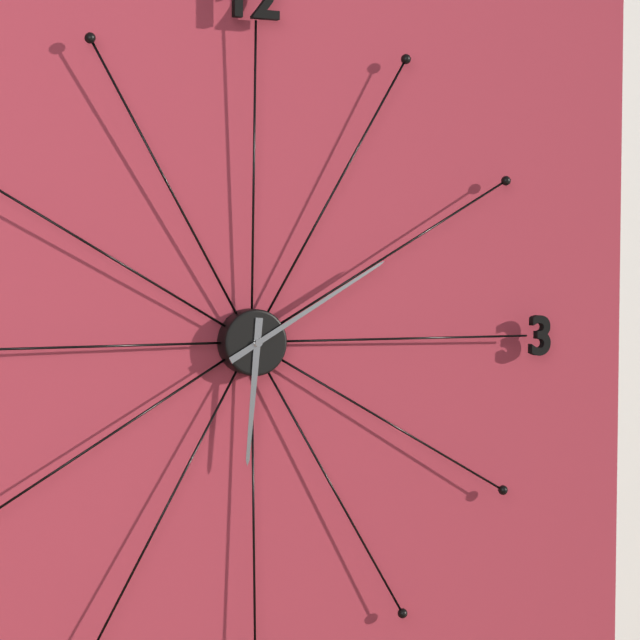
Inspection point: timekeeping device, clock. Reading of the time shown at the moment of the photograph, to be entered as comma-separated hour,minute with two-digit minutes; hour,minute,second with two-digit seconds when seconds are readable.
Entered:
6,10
